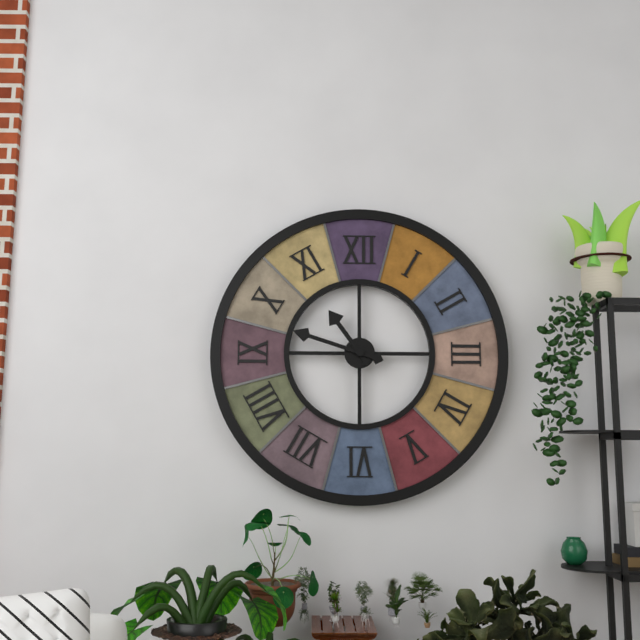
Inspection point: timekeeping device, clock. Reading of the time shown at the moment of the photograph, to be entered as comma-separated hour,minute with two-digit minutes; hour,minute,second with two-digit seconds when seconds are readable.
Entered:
10,48
